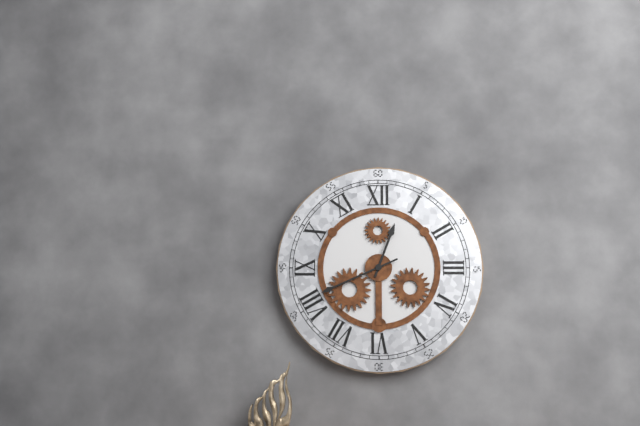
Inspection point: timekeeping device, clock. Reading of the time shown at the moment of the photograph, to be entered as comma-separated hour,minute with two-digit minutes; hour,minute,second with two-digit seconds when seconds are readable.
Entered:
12,41
